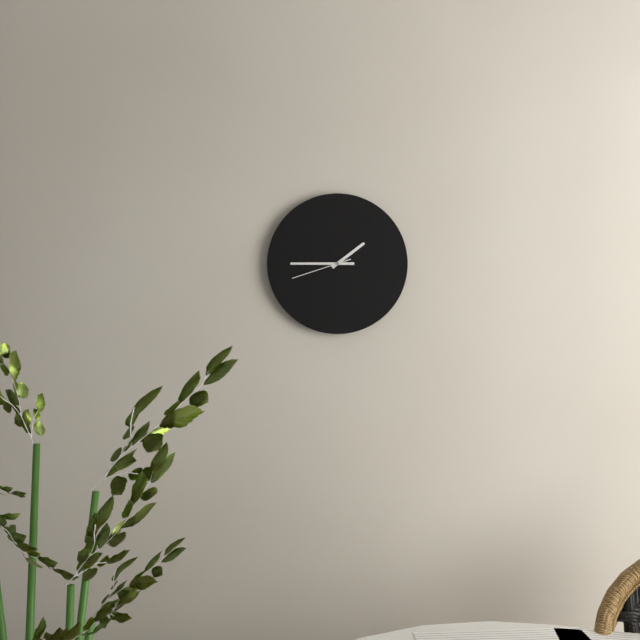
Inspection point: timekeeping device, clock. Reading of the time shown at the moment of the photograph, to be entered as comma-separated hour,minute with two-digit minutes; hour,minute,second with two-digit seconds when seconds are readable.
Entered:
1,45,42
